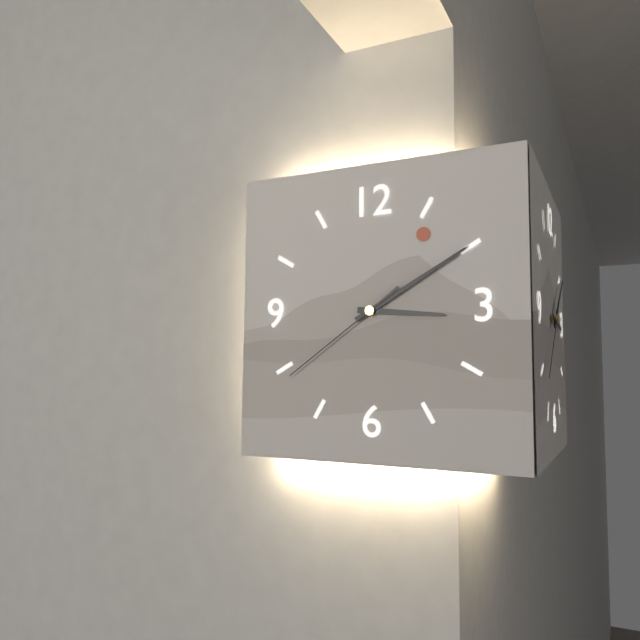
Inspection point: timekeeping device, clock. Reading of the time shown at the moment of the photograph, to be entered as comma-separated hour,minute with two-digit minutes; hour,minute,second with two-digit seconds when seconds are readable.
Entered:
3,10,39
